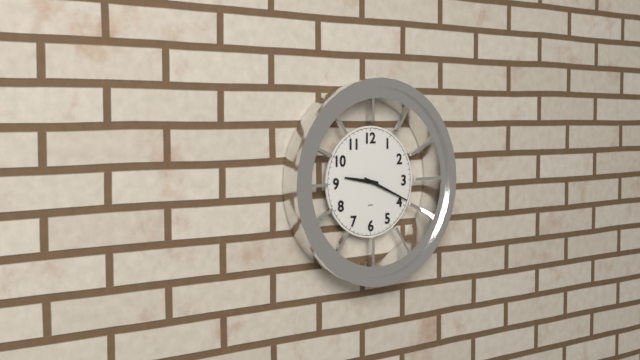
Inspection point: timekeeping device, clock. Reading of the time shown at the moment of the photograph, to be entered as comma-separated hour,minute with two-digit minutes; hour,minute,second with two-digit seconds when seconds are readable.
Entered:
9,19
